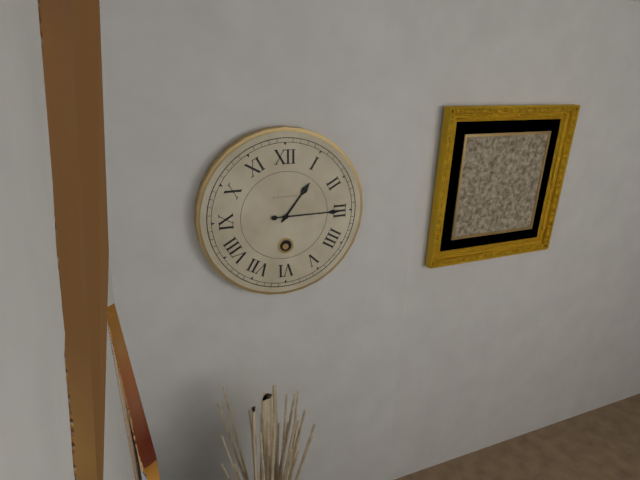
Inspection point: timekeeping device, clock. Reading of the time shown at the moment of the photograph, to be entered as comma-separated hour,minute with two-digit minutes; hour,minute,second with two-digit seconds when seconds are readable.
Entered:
1,15
